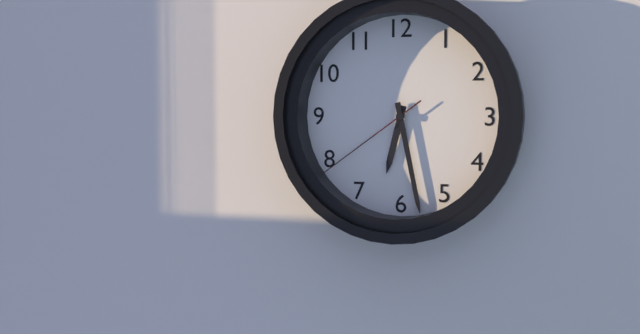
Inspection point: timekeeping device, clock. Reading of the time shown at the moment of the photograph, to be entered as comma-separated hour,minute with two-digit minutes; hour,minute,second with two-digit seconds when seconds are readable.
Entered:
6,28,39
